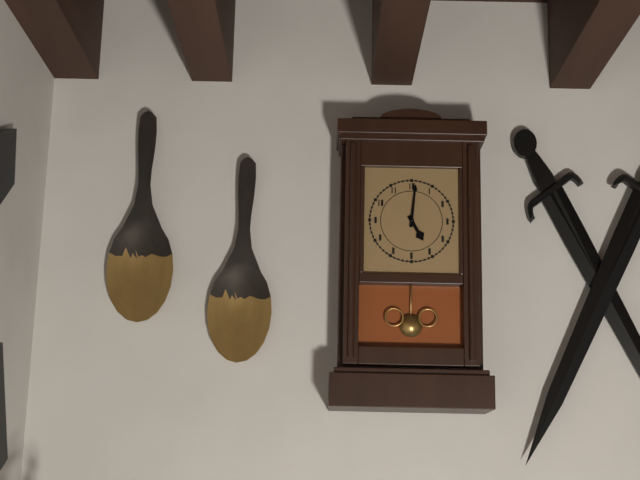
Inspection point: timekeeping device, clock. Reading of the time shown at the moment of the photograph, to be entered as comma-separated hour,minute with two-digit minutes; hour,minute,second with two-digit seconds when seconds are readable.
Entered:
5,01
